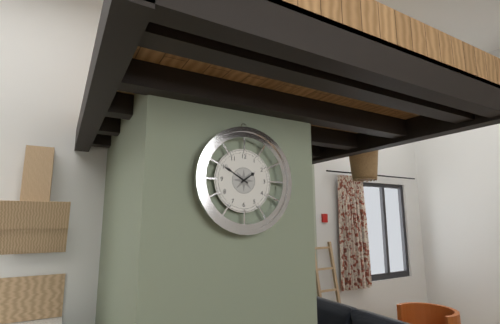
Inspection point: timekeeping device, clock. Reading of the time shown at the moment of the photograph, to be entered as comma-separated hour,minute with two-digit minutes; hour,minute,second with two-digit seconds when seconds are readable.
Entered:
1,50
